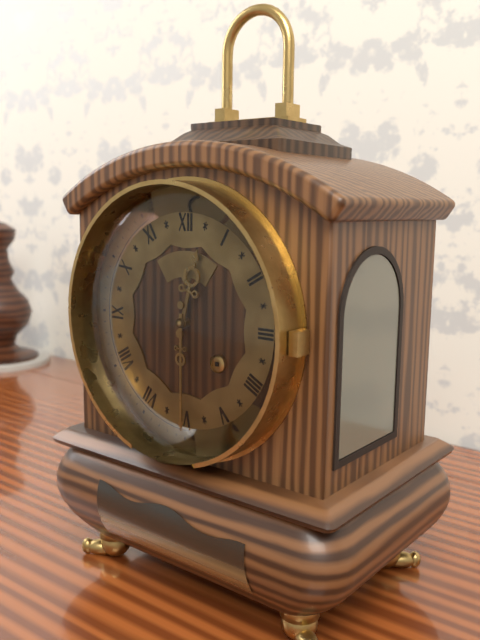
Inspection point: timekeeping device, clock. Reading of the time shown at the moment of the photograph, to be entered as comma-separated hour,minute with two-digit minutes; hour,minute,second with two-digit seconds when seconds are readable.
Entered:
12,30
